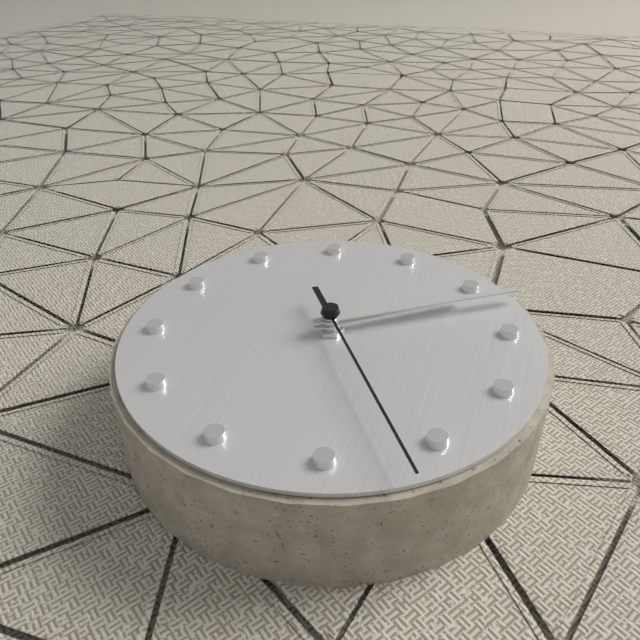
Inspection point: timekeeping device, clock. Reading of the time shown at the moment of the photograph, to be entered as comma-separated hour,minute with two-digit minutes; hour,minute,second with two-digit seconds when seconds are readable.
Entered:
3,17,32
